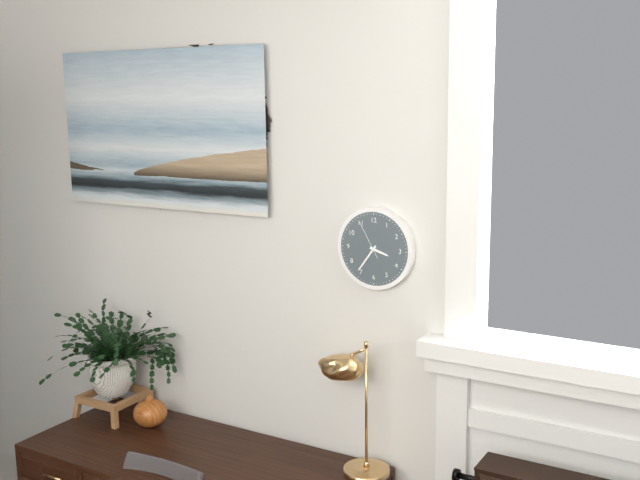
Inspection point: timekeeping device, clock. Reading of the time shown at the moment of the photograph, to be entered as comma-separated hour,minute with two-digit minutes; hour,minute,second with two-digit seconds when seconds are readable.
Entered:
3,36
